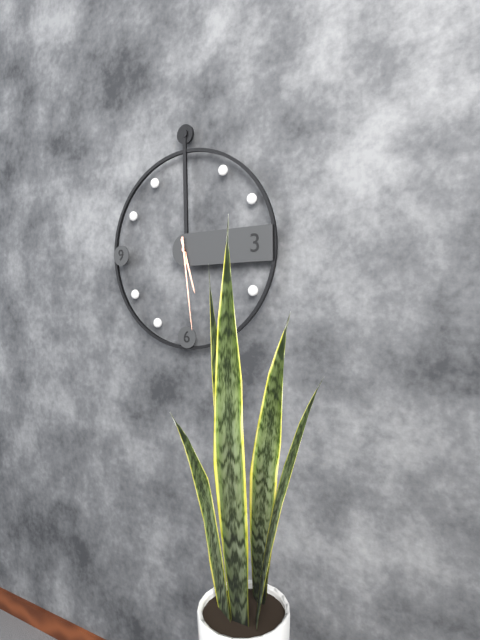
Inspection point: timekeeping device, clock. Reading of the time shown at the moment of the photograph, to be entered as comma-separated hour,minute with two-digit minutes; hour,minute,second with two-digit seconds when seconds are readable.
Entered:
5,29
